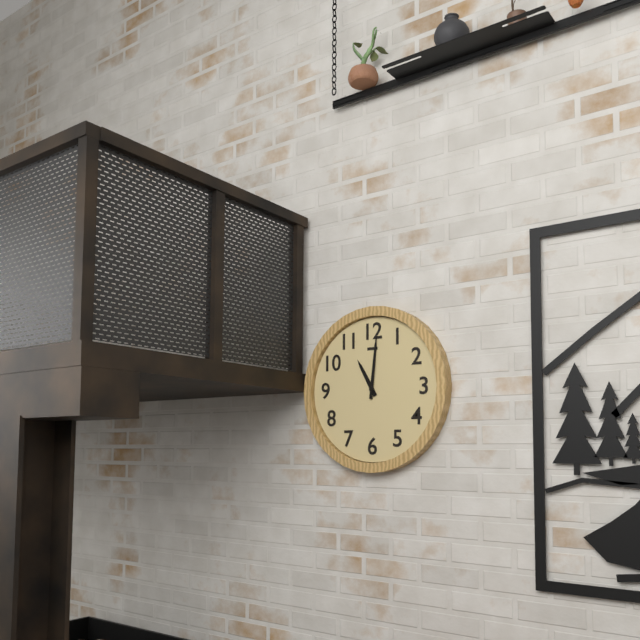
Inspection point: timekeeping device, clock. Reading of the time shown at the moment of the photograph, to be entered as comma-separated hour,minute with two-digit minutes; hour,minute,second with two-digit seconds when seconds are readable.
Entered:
11,01
